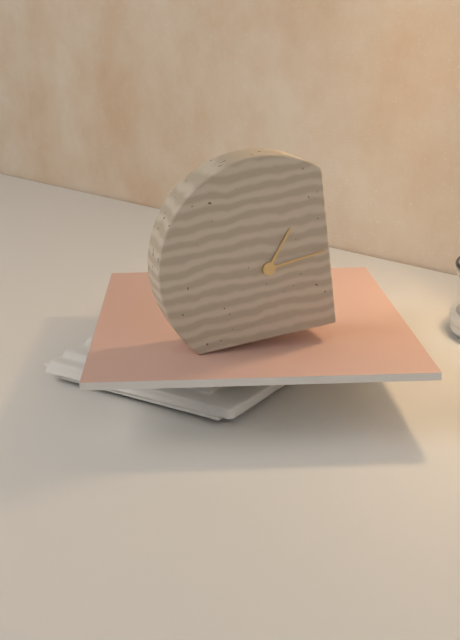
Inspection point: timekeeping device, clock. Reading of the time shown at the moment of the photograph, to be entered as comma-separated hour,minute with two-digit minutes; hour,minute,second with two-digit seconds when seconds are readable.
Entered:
1,14
